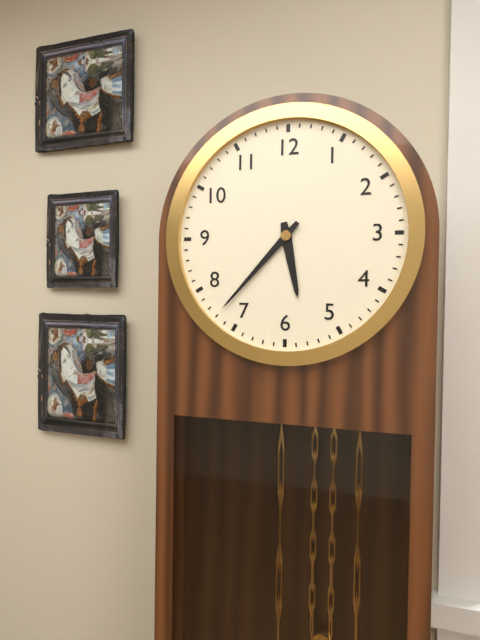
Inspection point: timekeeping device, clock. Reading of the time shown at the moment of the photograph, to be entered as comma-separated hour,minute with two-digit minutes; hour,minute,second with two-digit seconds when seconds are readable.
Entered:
5,37
